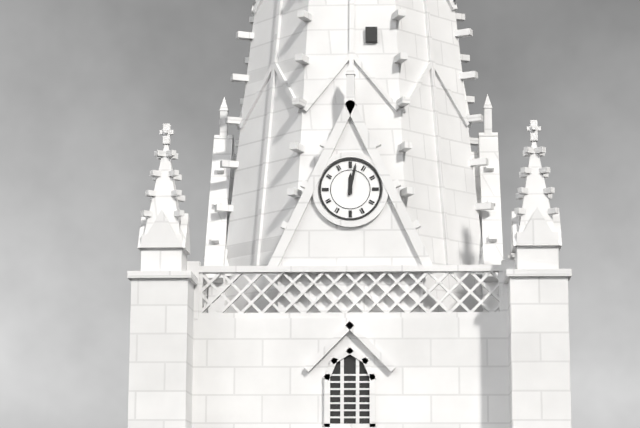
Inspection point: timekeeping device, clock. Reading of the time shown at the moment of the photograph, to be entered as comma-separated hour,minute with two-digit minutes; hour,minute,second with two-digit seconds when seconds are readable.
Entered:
12,02
